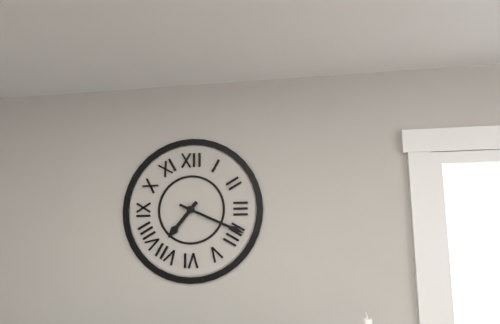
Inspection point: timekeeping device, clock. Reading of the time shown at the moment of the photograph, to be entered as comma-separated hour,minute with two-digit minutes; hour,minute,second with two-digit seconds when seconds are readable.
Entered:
7,19
